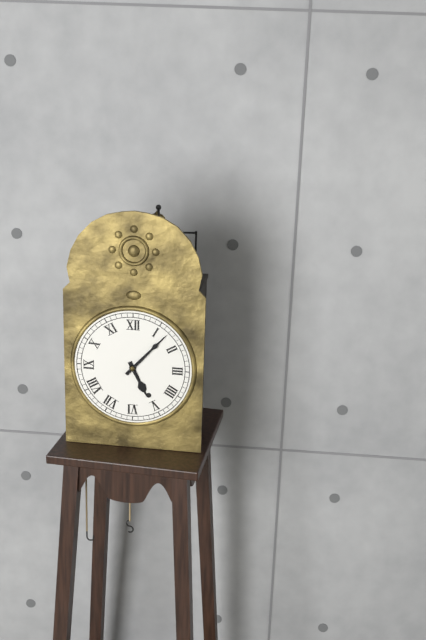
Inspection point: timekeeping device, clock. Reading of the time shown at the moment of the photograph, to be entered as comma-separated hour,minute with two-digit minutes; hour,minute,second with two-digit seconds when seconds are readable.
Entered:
5,07
